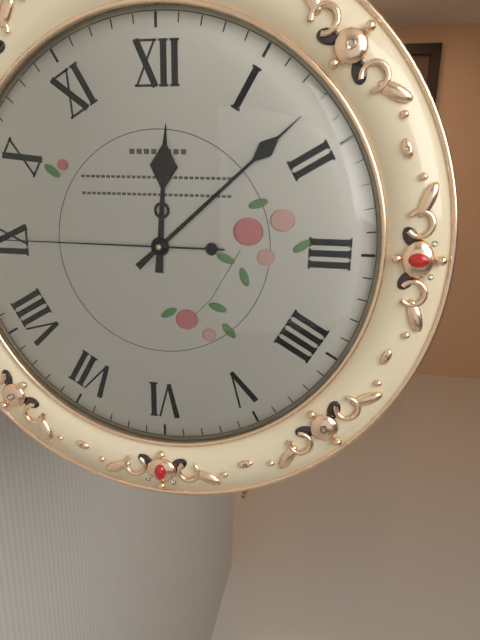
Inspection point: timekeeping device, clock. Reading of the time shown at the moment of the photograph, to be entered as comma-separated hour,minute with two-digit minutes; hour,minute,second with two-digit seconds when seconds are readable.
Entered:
12,08
